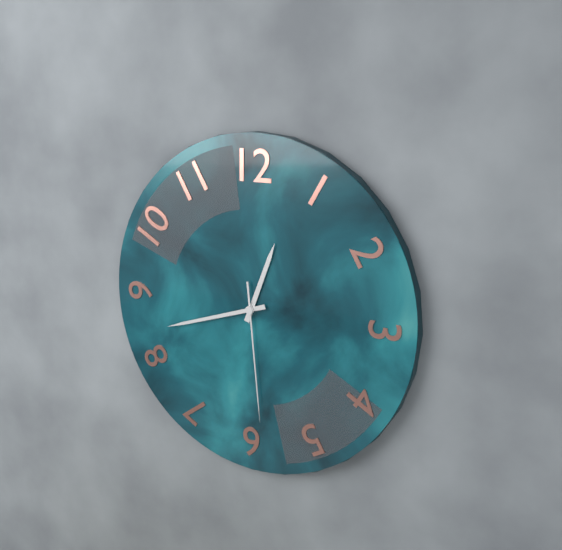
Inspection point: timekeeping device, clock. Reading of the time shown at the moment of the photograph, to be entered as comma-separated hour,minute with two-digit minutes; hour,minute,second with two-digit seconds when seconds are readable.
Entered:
12,42,29
